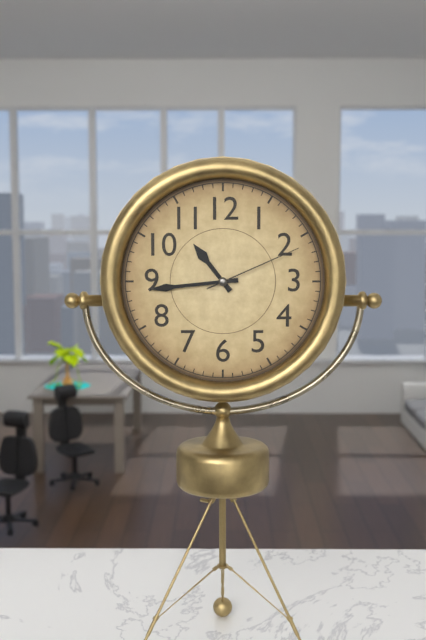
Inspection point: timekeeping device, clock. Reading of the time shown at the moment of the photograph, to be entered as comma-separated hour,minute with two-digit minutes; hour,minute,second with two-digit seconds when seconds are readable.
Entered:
10,44,11
